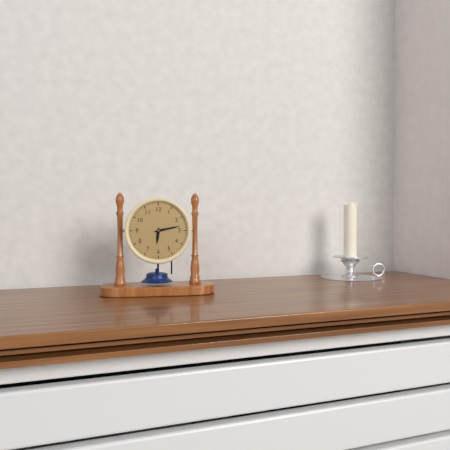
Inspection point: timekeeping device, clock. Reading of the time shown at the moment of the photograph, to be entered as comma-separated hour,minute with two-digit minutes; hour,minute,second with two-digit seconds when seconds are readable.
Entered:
6,13
